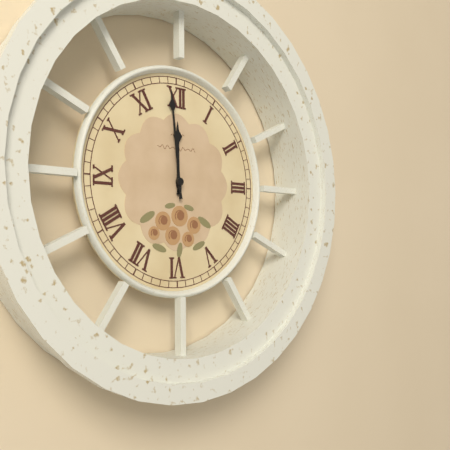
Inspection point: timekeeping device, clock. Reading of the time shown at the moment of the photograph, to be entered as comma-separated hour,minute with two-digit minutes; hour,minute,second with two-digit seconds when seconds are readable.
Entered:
11,59
